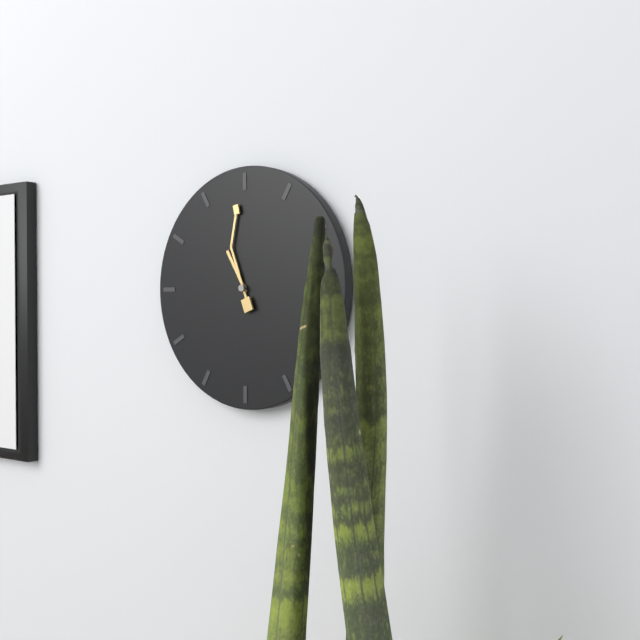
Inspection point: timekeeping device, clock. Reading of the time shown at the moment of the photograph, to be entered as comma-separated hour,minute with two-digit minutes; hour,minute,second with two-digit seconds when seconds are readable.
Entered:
10,59
